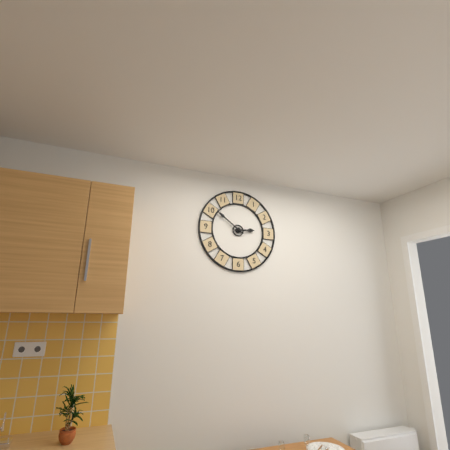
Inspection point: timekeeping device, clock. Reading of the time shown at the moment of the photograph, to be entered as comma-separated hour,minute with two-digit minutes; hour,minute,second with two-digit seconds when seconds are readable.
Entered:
2,51
